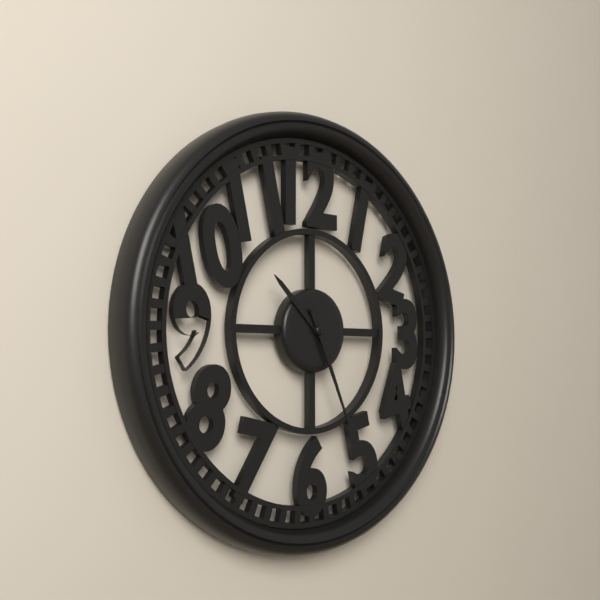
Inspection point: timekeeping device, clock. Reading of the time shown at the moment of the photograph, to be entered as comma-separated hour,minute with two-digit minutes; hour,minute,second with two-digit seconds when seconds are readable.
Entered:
10,26
